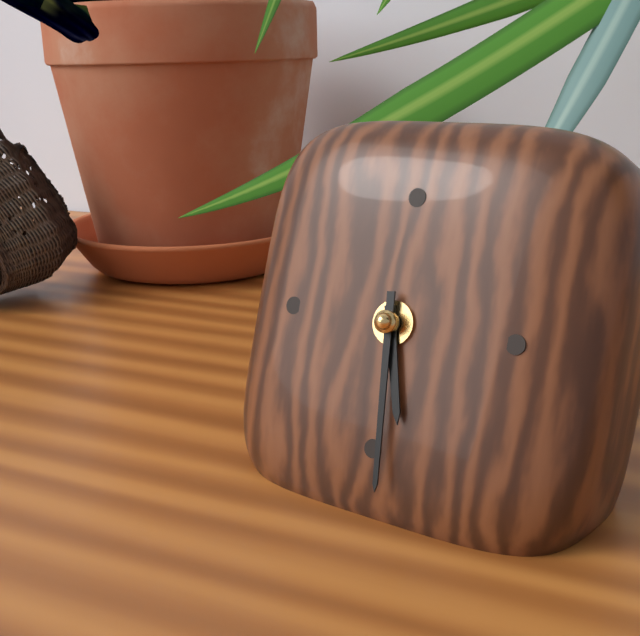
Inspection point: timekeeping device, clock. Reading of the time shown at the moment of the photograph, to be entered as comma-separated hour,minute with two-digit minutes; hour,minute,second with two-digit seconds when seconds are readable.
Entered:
5,29
